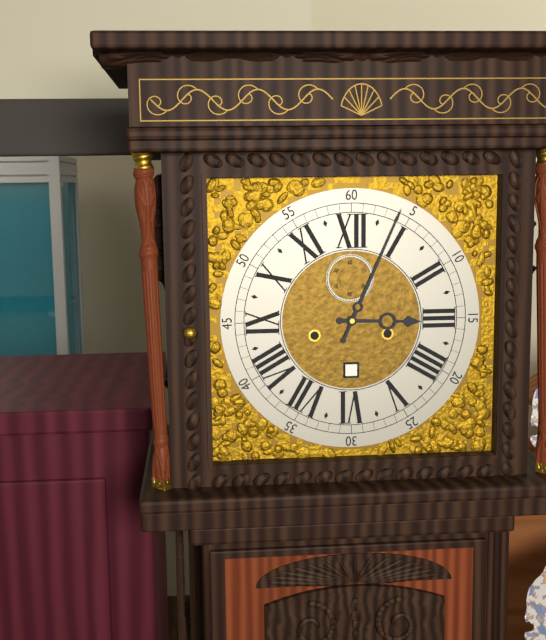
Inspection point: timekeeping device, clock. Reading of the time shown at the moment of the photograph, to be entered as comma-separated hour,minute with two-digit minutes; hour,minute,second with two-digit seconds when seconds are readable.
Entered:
3,04
